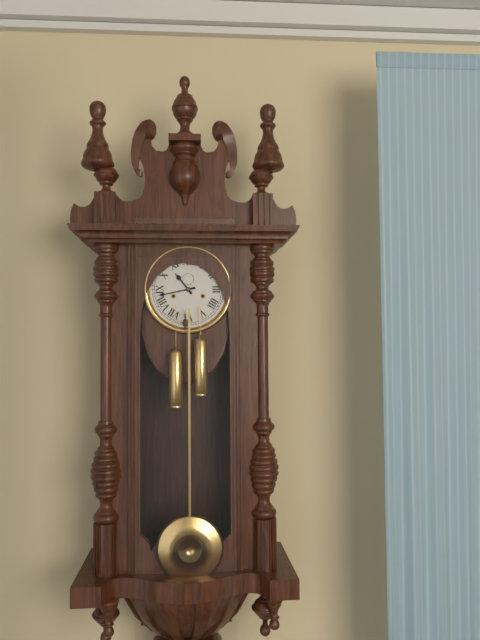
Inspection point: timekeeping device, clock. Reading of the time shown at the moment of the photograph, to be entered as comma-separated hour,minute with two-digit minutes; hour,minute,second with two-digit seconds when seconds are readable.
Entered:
10,43
